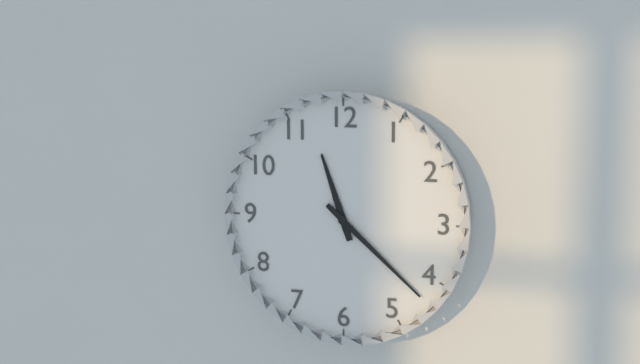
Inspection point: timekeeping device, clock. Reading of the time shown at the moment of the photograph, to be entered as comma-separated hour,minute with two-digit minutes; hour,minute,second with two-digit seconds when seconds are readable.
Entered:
11,22
